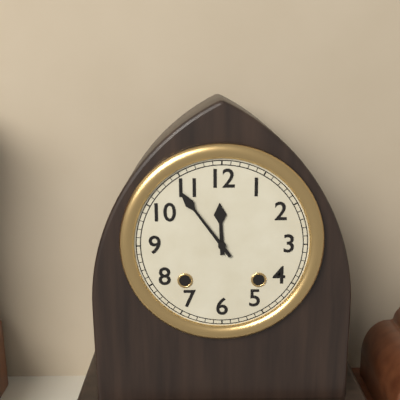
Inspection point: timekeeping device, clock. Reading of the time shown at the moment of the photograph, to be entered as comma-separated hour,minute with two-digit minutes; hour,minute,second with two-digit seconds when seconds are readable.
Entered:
11,54
